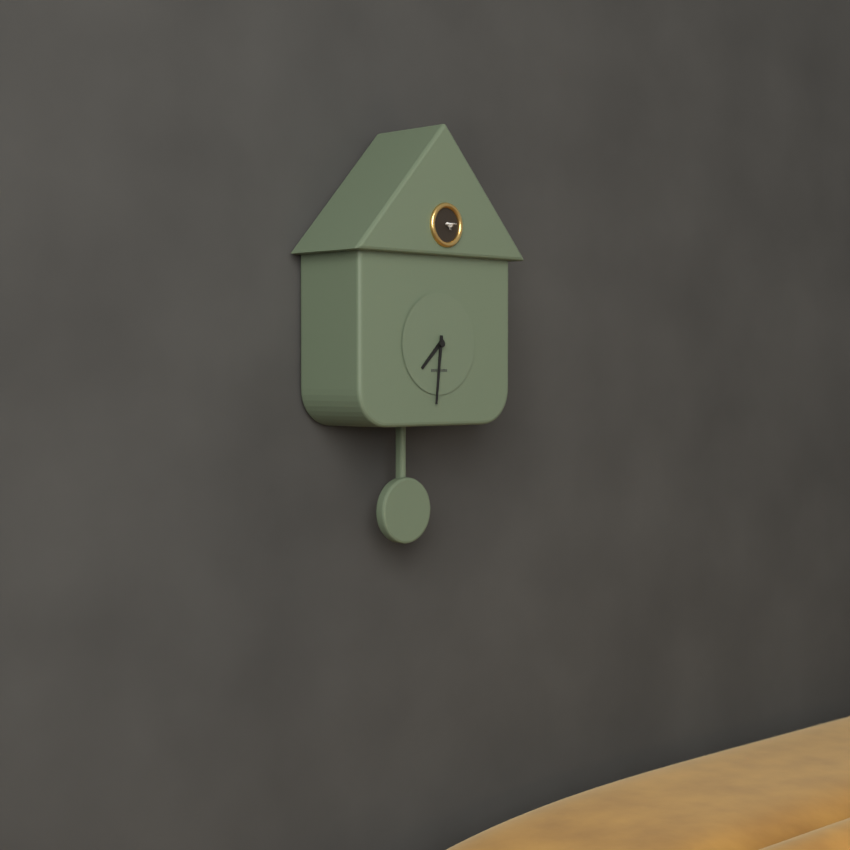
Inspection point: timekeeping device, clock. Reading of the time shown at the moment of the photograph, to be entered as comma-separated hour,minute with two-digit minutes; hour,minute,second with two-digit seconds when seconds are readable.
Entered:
7,31
